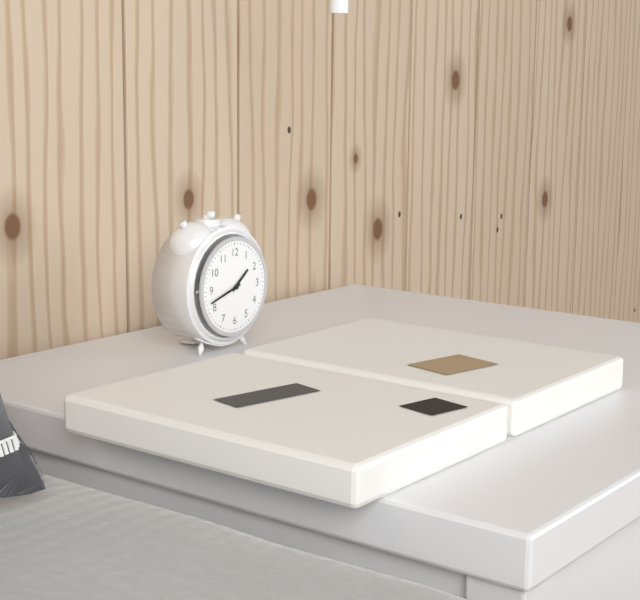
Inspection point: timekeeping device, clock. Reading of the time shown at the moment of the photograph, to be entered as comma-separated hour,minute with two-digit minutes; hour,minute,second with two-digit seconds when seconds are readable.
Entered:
1,42
